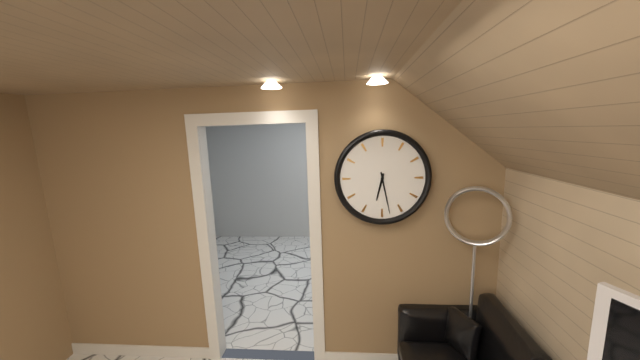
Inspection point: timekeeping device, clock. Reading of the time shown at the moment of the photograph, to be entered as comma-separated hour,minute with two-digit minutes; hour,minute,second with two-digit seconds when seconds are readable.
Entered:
6,28
